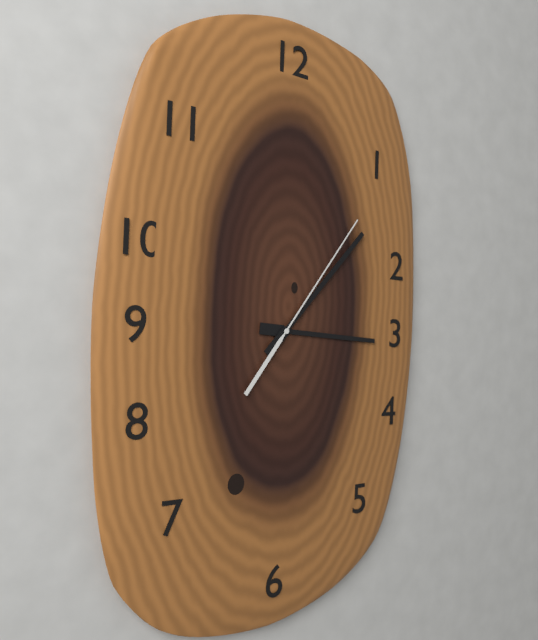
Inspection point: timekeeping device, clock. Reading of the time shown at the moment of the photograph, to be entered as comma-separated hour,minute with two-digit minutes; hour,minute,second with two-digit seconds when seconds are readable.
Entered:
3,07,06
